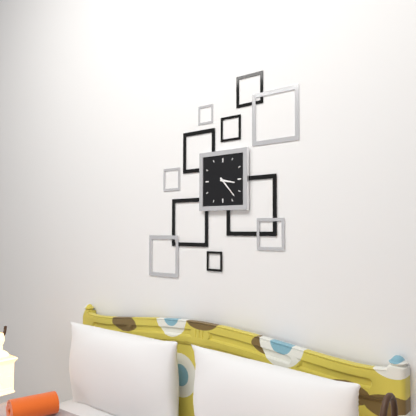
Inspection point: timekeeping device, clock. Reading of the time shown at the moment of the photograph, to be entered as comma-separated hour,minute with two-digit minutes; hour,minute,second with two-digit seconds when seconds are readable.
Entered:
3,23
